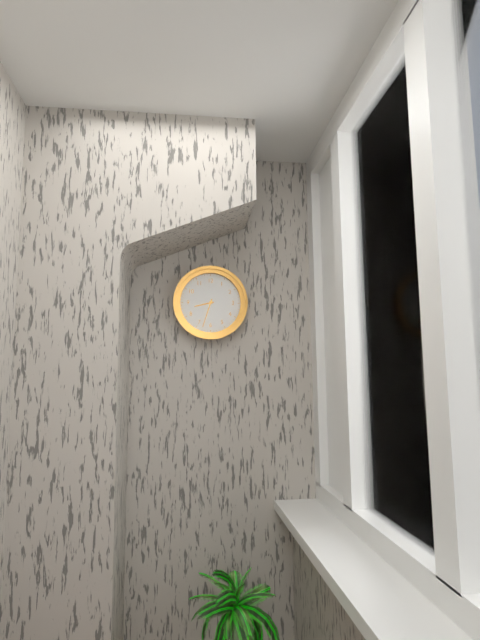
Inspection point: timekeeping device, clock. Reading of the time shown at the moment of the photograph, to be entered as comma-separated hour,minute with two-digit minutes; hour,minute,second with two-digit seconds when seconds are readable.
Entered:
8,33
